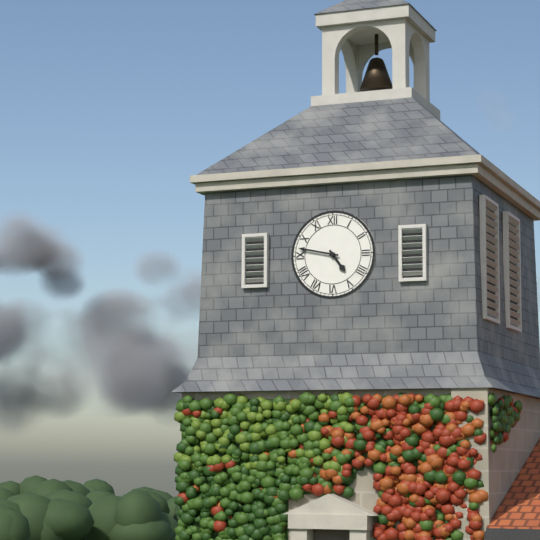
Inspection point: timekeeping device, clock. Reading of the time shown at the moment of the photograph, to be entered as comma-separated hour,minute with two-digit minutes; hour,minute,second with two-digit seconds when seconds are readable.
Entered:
4,47
